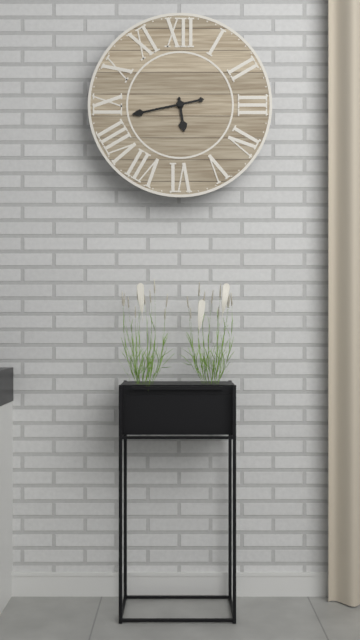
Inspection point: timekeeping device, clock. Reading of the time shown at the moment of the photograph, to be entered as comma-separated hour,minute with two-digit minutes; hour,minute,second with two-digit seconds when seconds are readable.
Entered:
5,43
